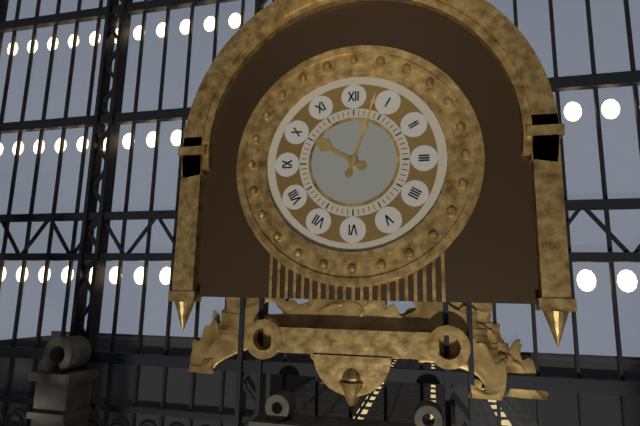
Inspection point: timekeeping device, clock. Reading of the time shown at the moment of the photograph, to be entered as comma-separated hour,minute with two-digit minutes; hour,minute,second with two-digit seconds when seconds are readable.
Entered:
10,03
